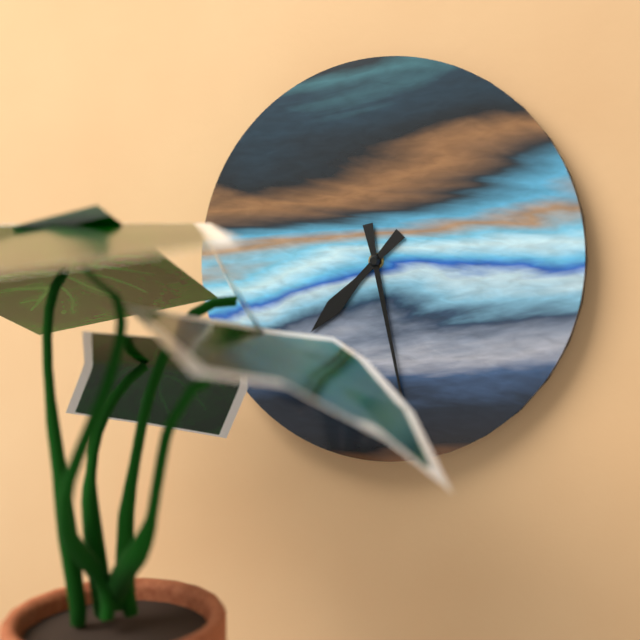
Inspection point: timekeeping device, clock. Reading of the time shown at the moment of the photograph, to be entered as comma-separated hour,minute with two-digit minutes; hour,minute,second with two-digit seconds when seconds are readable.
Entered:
7,28
